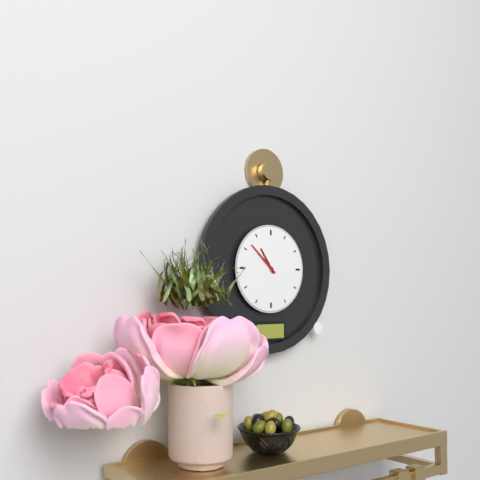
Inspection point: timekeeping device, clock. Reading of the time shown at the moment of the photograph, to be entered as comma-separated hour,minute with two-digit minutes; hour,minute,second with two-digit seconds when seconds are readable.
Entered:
10,52
